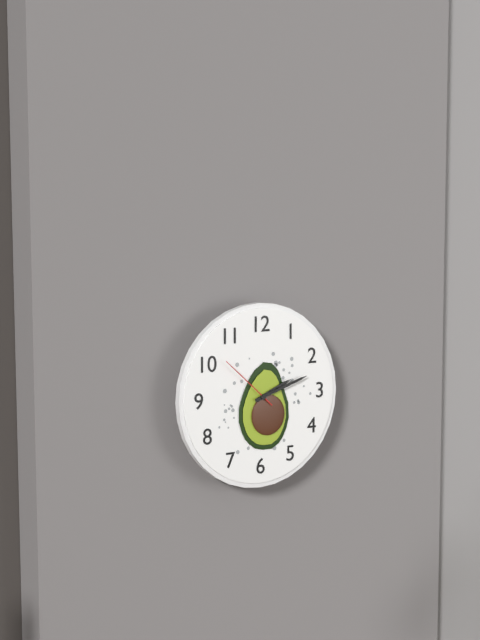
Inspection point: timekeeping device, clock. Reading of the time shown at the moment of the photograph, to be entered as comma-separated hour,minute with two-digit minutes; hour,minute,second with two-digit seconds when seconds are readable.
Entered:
2,12,52
